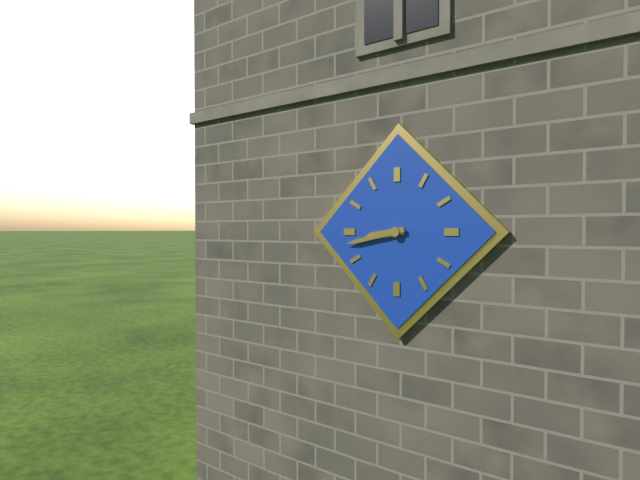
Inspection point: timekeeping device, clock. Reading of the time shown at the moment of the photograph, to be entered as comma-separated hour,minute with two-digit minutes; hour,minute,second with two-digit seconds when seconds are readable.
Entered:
8,43
